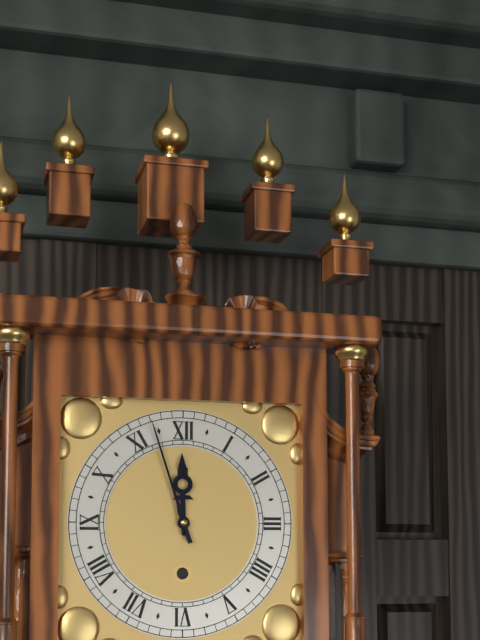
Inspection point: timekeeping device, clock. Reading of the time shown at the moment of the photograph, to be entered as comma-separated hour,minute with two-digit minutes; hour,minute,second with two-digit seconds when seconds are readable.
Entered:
11,57
